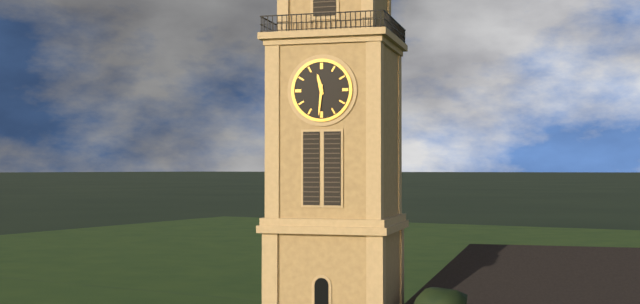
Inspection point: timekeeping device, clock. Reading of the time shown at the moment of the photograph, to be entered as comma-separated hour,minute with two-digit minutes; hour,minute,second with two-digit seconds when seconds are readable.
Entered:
11,31
